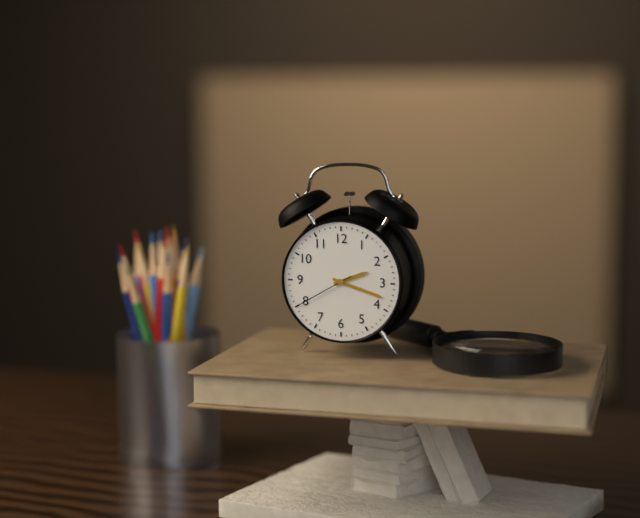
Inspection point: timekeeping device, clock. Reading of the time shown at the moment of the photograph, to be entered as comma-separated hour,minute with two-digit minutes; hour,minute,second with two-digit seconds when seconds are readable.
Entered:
2,18,40
